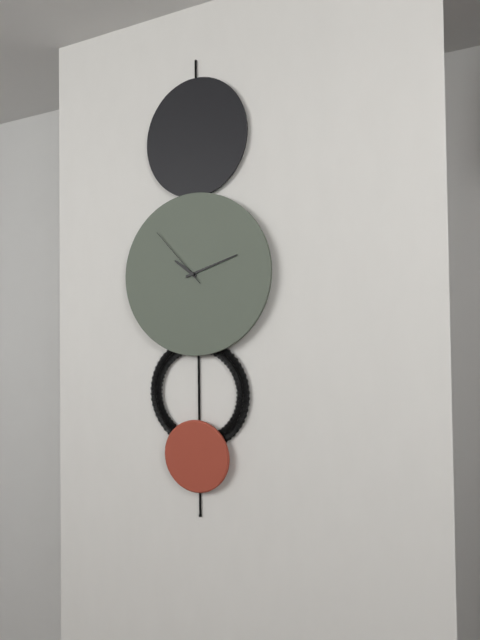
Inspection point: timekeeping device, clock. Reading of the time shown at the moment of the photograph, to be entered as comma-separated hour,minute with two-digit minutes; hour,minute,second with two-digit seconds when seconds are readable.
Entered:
10,12,53
